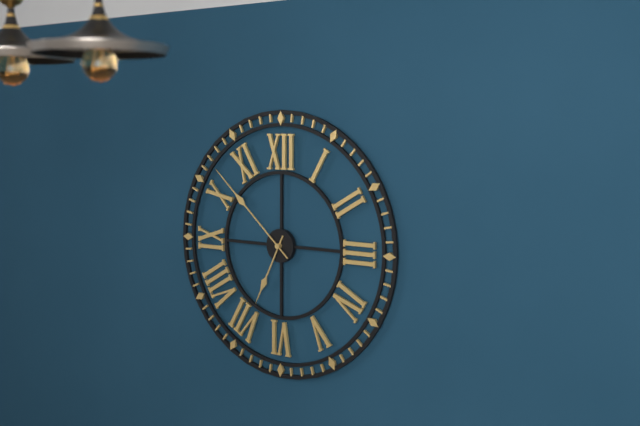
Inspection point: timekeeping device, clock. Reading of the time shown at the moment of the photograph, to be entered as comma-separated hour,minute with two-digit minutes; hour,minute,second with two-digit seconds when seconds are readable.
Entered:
6,52
